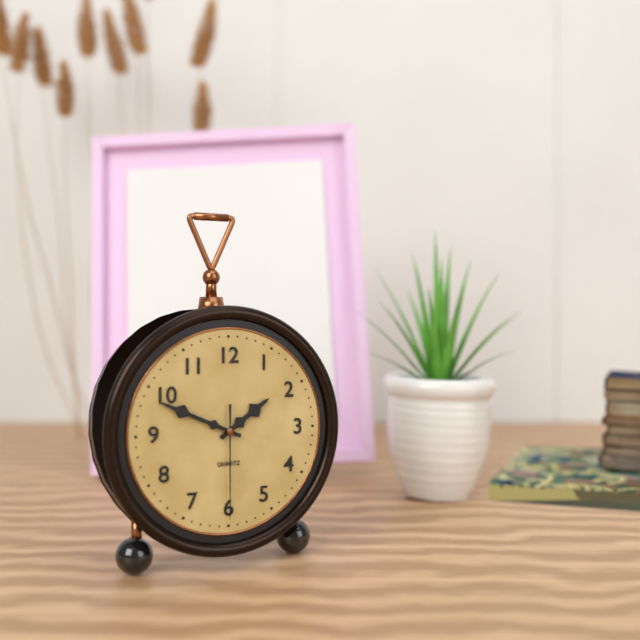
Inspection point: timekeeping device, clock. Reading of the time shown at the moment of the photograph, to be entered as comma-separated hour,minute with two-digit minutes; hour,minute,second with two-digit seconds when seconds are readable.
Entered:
1,49,30
